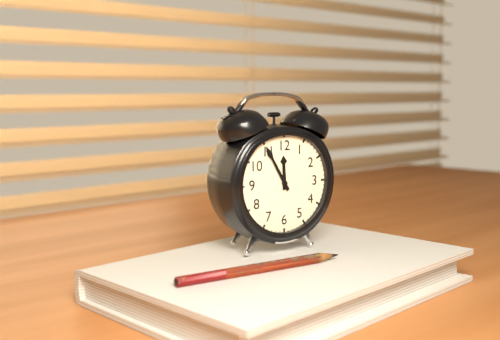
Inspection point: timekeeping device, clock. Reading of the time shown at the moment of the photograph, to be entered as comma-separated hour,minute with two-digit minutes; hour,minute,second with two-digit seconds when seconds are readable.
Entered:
11,55
